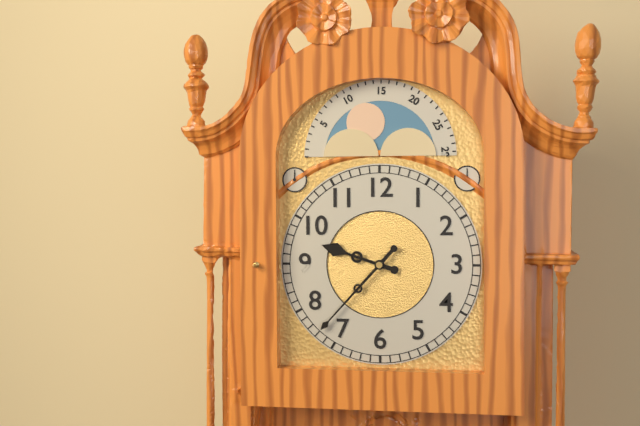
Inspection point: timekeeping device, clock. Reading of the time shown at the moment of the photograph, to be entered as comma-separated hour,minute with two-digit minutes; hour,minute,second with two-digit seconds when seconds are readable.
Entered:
9,37
